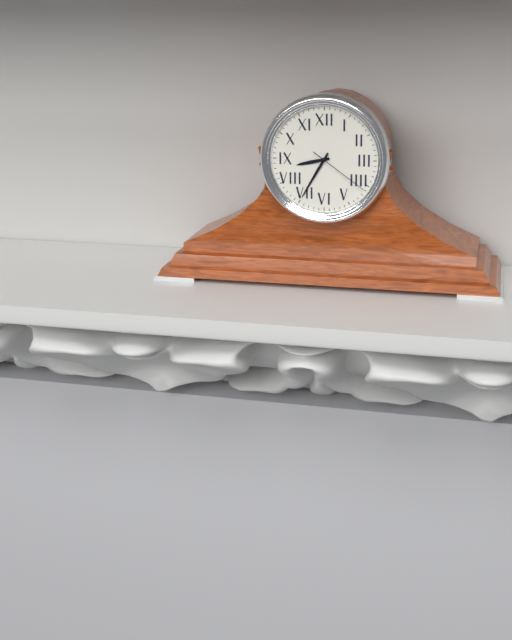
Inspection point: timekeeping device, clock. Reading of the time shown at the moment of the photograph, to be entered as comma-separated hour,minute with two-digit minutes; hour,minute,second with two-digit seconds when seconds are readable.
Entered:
8,35,21
